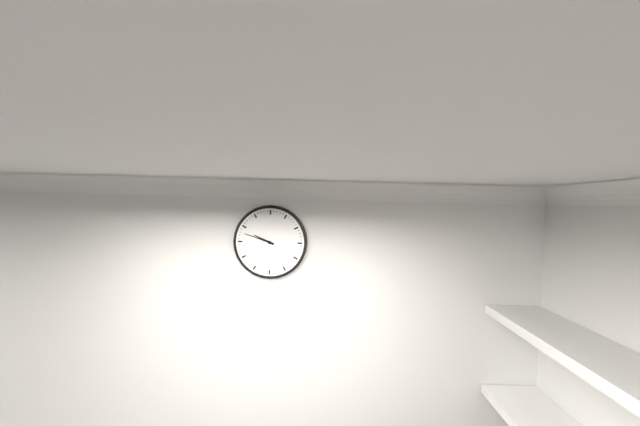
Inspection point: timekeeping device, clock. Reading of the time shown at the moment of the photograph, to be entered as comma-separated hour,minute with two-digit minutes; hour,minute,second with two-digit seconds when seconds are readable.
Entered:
9,48
